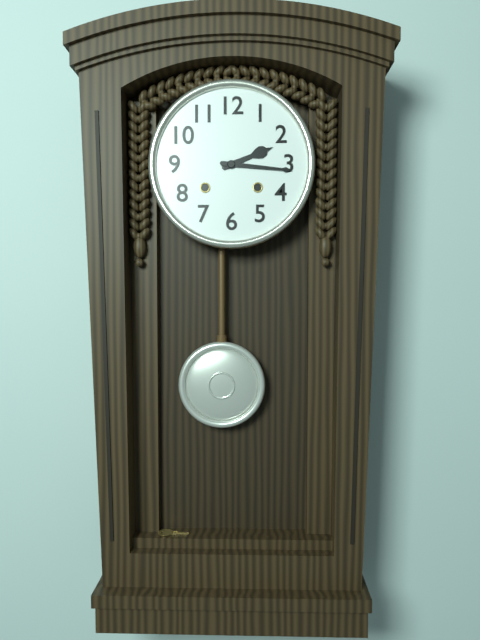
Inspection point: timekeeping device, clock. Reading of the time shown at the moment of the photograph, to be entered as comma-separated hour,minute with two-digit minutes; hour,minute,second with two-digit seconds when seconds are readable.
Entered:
2,16
